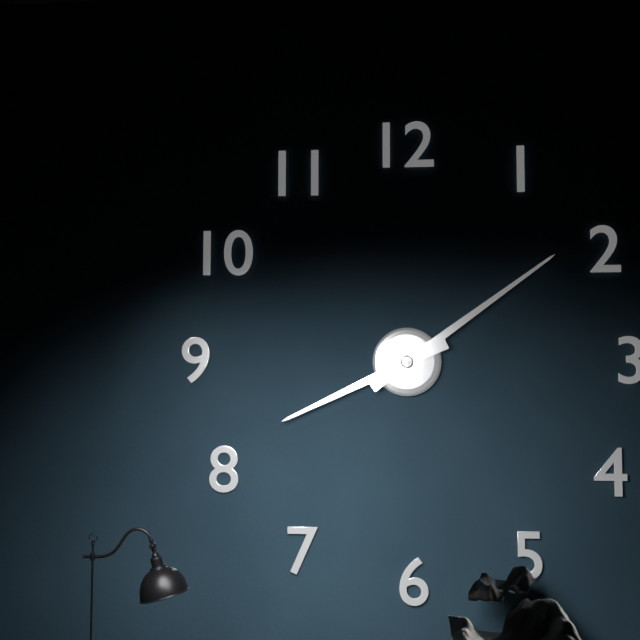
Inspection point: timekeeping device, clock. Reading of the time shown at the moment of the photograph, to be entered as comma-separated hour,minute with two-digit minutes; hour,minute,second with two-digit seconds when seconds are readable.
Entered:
8,09
